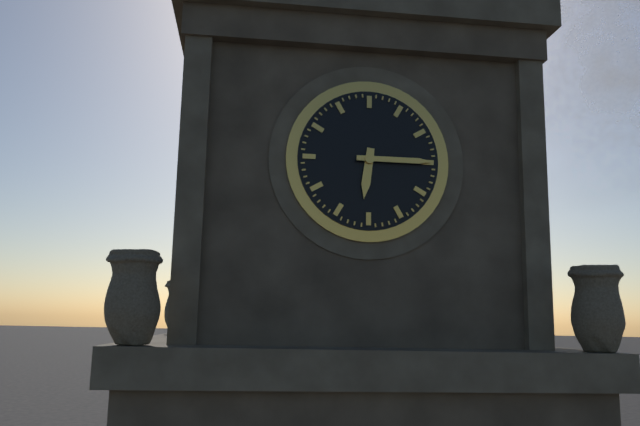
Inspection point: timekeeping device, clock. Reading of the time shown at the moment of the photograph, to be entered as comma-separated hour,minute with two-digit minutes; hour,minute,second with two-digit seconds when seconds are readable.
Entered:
6,15
